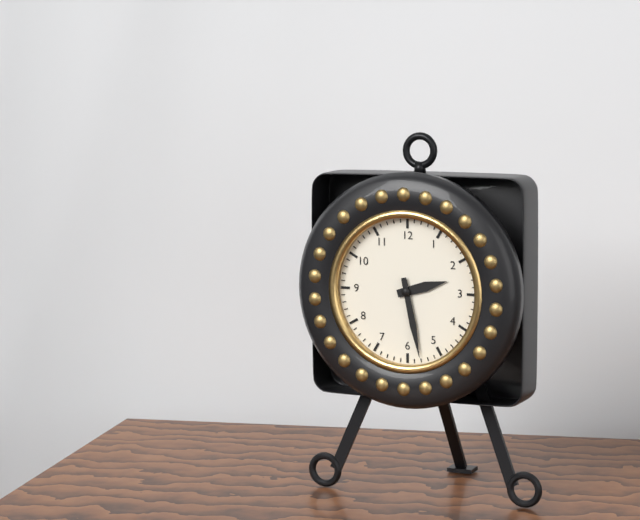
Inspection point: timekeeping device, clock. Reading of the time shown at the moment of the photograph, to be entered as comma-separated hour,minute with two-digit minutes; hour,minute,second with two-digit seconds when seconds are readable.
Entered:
2,28
